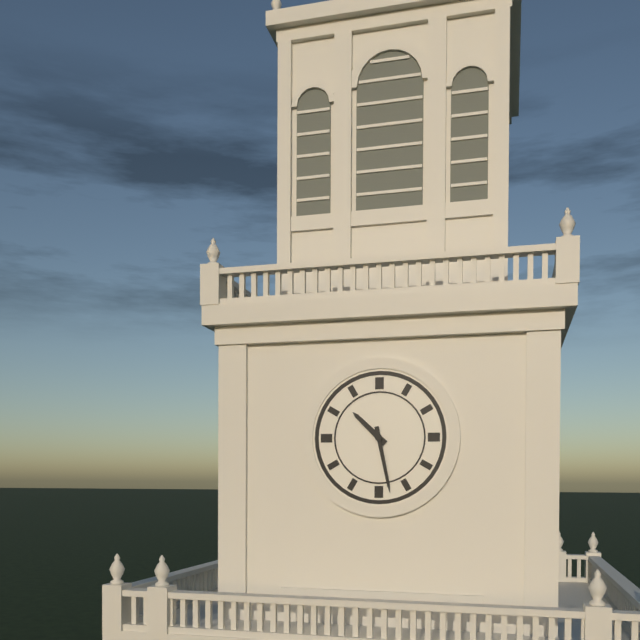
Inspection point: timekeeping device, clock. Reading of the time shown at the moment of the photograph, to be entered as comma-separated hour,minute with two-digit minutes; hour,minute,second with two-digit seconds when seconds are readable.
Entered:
10,28
